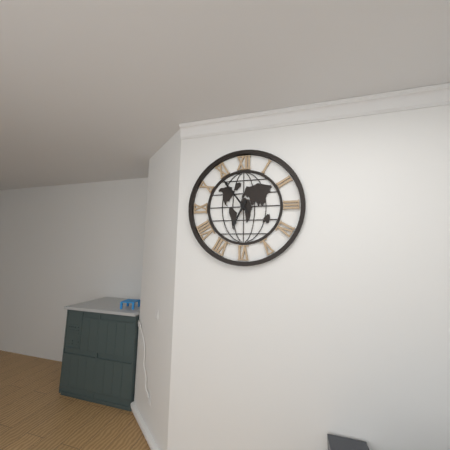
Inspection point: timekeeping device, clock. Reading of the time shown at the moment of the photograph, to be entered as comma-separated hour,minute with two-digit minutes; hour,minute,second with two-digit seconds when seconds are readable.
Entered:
6,54
